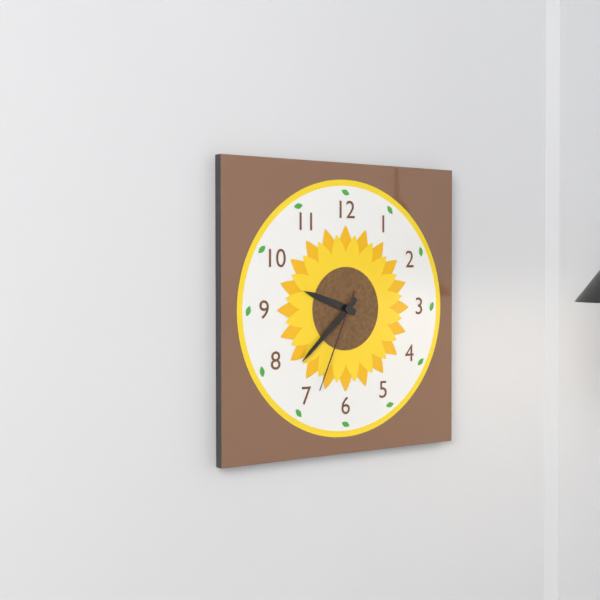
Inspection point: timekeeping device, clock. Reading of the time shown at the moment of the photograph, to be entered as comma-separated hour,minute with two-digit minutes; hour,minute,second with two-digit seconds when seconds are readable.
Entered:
9,38,34
